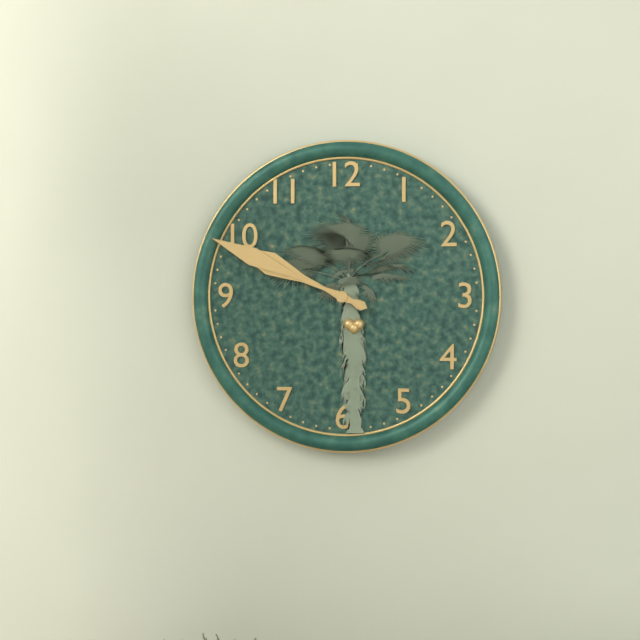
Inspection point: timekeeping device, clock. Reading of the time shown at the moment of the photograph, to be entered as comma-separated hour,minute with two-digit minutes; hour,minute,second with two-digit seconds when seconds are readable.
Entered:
9,49
